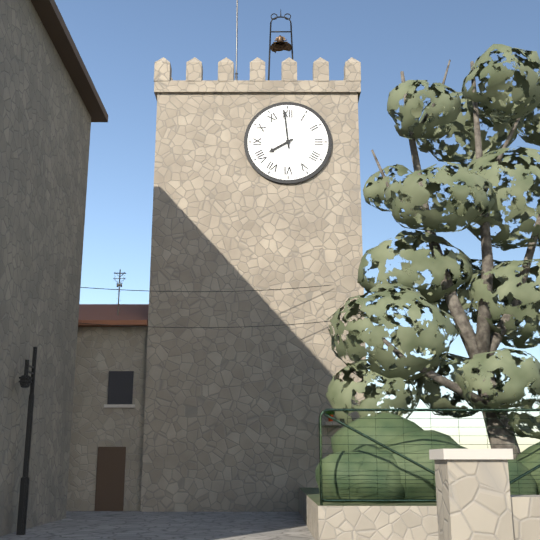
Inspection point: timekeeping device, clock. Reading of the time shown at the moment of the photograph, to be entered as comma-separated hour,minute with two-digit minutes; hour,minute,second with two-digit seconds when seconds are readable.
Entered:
7,59
